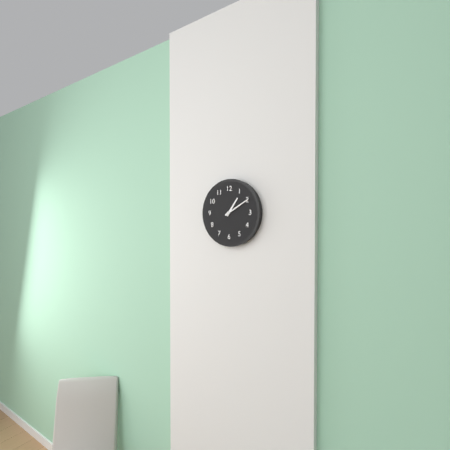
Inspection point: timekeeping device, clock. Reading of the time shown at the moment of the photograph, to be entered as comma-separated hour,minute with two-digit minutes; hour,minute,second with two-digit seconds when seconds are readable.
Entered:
1,10
